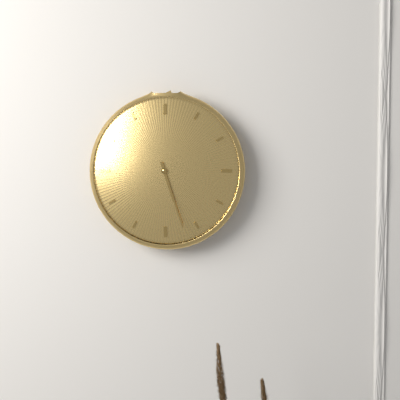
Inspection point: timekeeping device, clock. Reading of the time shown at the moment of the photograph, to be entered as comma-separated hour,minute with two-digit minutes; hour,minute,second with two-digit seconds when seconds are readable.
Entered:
5,27
